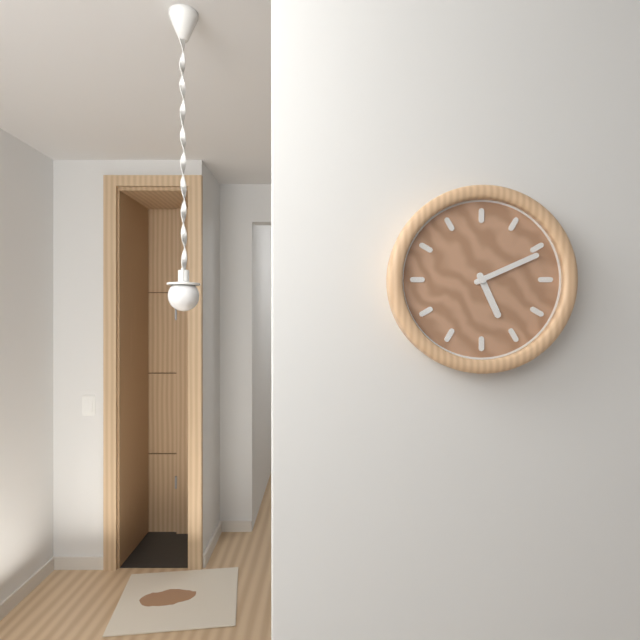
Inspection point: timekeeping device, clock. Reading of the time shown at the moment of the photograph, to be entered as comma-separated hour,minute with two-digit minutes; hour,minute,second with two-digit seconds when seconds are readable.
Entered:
5,11
